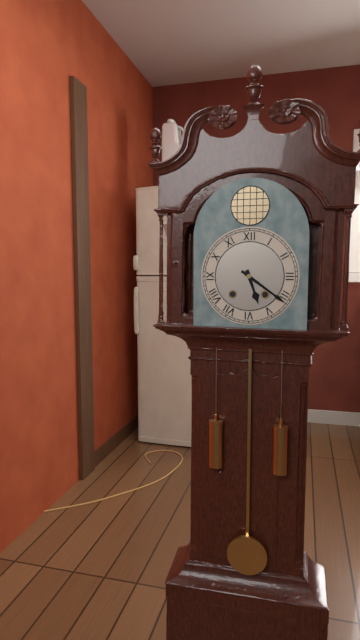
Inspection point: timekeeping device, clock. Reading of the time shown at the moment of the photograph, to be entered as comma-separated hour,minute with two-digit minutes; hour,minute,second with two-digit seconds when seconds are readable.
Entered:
5,21
